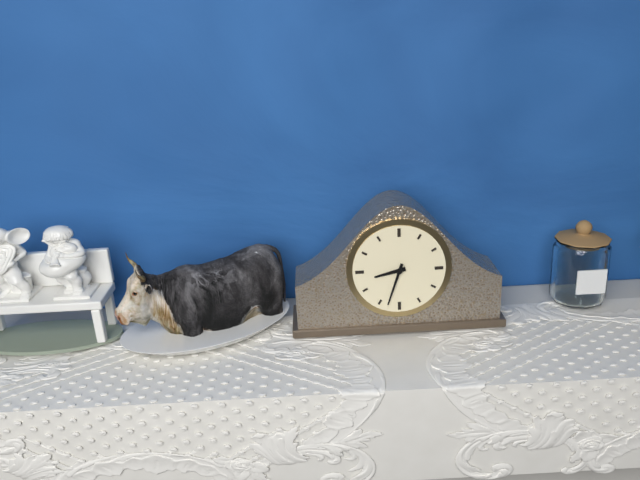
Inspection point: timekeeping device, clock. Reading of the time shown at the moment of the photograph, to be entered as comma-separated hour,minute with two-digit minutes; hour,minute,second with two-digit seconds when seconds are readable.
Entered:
8,33
